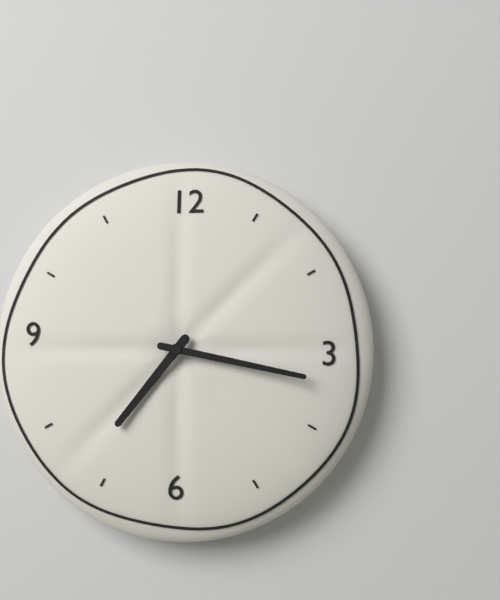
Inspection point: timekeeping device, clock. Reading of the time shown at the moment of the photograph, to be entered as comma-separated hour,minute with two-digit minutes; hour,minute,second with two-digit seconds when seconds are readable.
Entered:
7,17
